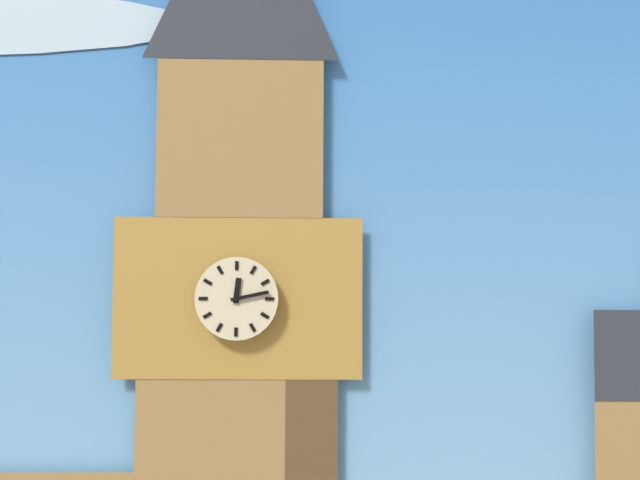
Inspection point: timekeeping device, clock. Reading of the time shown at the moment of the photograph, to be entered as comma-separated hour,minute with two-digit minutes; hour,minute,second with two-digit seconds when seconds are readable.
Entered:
12,13
